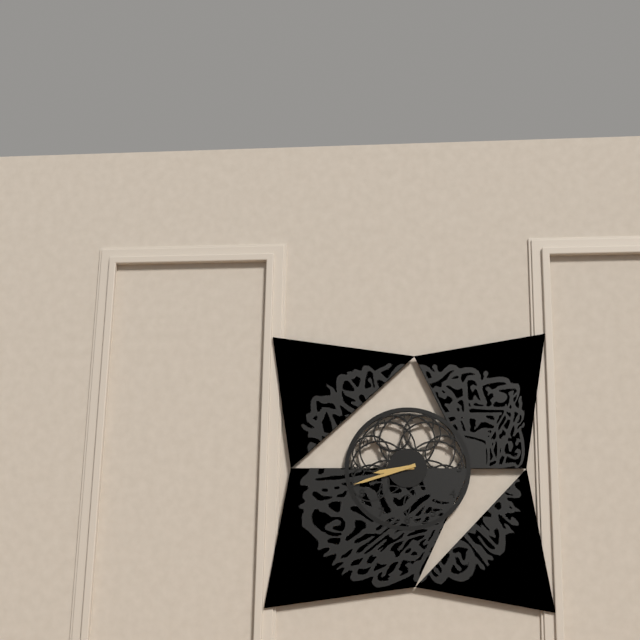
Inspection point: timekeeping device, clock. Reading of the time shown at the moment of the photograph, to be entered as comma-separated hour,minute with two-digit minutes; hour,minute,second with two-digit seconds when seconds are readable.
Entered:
8,42
